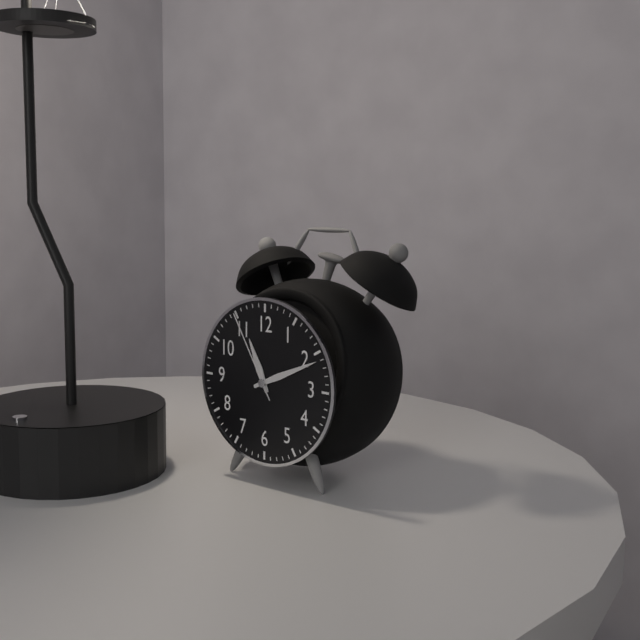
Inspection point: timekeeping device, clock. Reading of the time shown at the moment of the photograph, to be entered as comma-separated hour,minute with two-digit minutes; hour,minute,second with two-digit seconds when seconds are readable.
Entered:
11,11,55
